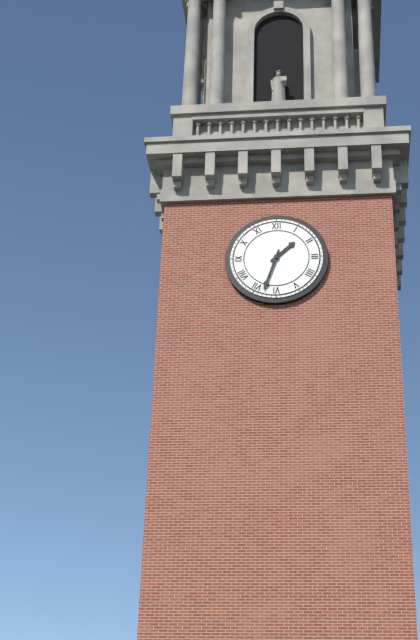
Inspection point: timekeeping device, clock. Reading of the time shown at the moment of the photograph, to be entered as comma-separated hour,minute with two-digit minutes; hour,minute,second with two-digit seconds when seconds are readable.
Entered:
1,33
